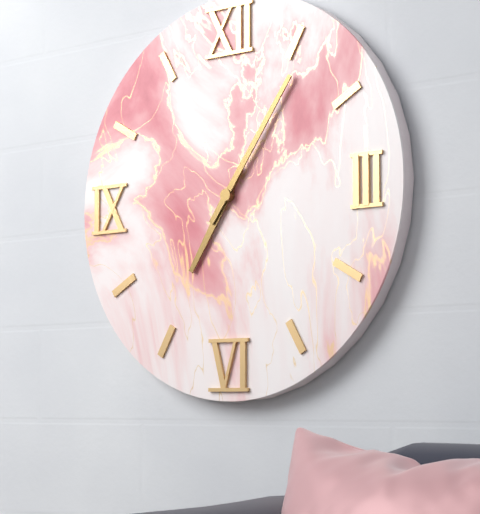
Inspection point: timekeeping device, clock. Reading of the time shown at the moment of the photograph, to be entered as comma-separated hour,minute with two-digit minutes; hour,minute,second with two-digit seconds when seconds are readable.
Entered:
7,06
